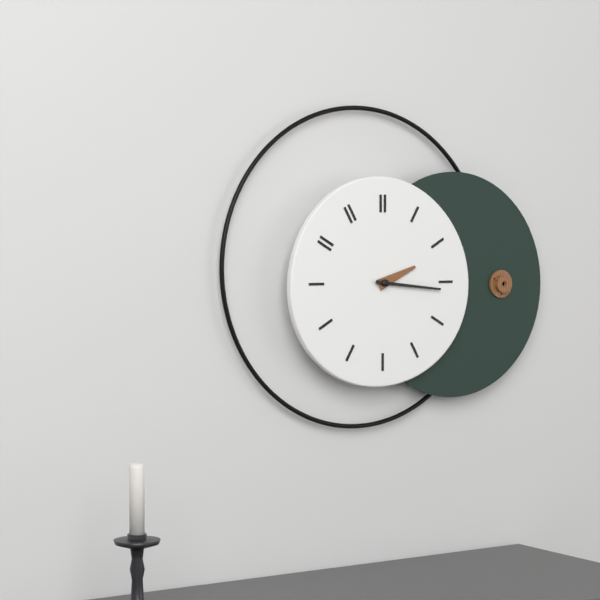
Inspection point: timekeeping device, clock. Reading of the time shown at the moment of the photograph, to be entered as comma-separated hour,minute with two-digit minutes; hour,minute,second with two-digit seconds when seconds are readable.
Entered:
2,16
